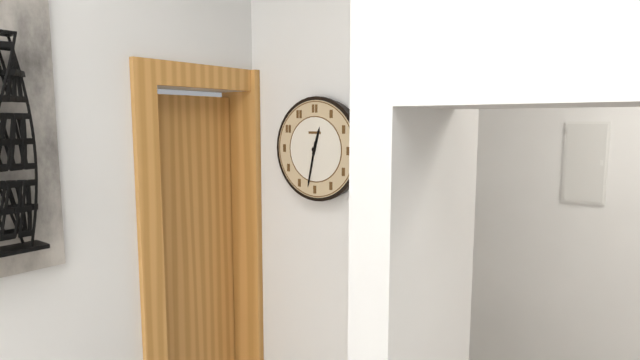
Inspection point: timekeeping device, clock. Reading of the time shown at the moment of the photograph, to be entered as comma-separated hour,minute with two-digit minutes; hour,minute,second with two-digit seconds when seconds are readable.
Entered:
12,32
